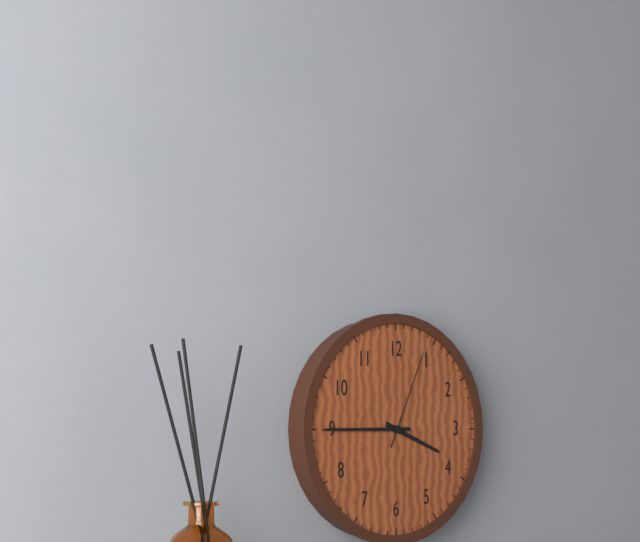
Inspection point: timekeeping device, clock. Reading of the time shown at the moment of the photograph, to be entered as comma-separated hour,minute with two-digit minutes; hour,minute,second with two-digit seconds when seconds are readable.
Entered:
3,45,04
